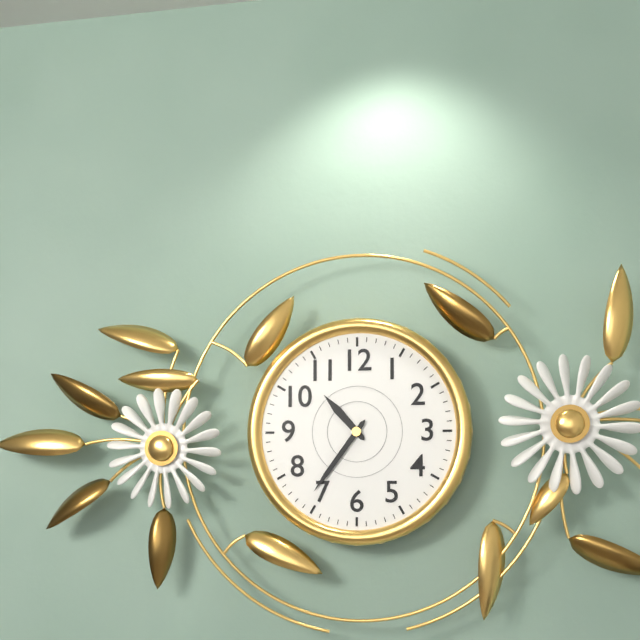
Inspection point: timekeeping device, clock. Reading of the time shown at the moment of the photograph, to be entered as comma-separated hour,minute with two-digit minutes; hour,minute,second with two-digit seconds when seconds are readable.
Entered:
10,36
